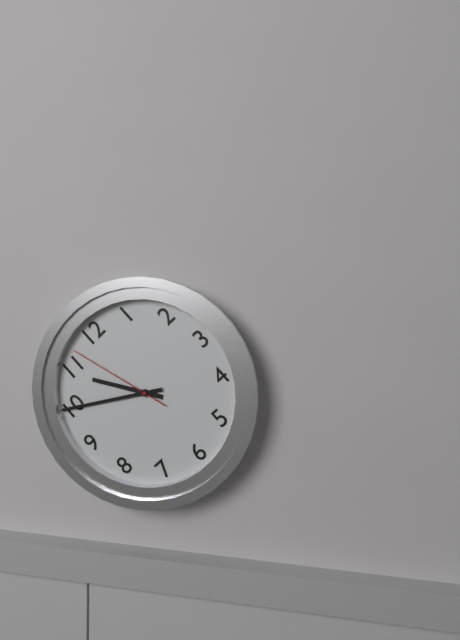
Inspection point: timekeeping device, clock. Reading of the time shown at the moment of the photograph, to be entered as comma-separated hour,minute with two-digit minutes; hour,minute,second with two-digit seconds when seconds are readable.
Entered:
10,50,57
